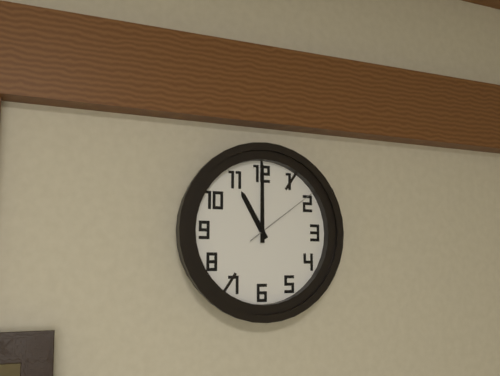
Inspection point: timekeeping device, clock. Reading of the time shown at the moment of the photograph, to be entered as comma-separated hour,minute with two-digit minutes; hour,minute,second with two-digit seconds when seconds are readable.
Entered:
11,00,09
